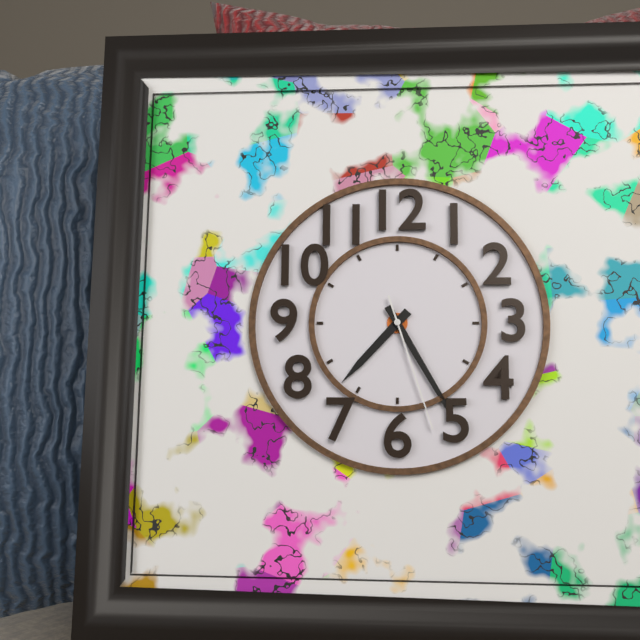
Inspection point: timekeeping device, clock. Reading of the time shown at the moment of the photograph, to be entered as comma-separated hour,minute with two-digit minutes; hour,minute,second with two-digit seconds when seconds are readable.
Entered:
7,25,27
